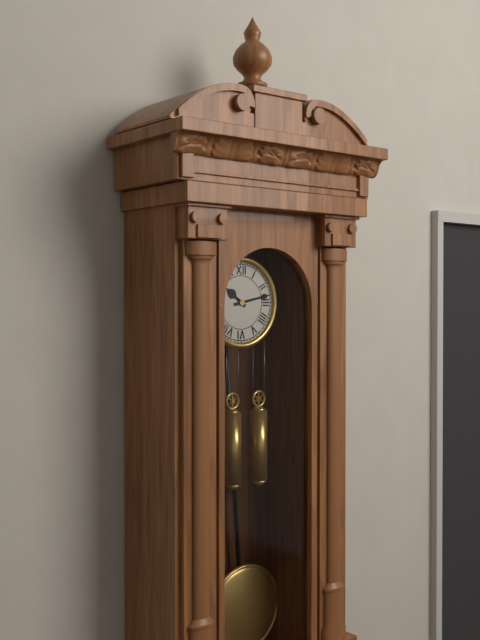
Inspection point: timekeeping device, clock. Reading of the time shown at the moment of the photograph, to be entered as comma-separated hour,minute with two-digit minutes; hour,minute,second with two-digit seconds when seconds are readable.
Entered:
10,13
